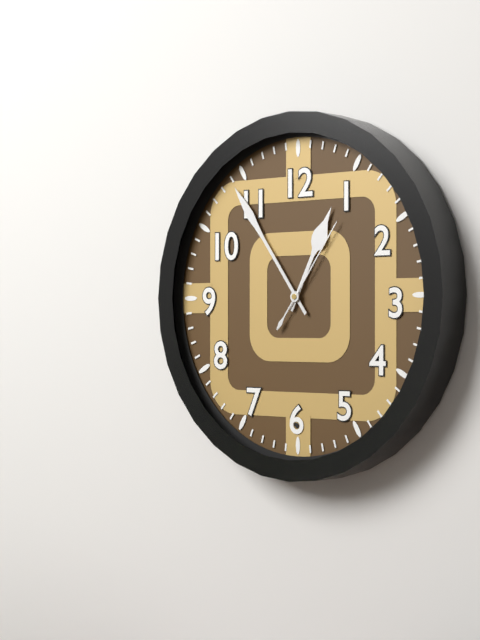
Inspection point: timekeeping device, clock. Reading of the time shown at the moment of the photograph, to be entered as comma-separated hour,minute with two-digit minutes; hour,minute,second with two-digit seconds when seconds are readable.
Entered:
12,54,06
